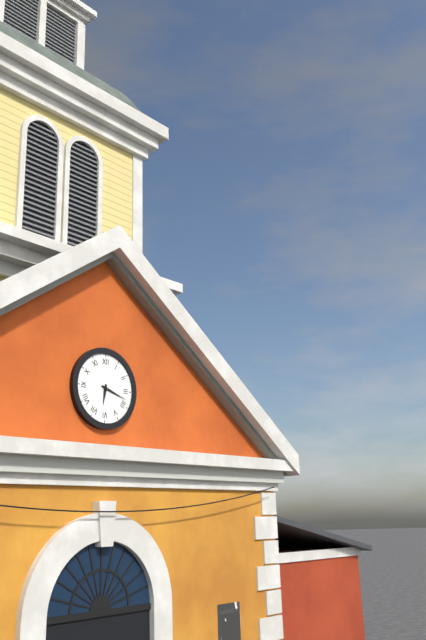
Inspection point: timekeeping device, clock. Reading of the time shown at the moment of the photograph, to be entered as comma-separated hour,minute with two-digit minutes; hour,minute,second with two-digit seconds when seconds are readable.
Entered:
6,18
